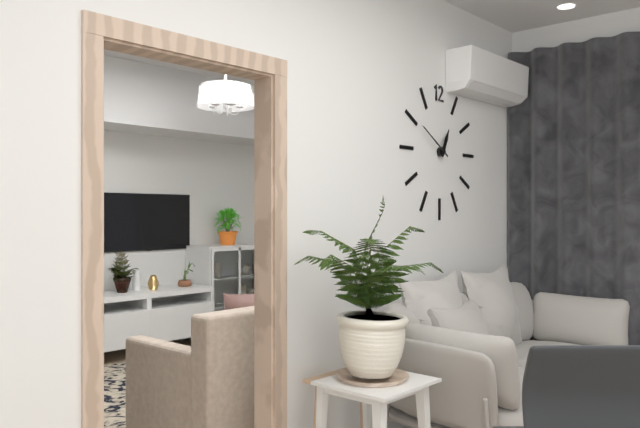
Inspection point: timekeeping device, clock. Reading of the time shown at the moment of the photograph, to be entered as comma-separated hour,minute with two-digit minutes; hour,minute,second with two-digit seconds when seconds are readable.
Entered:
12,50
